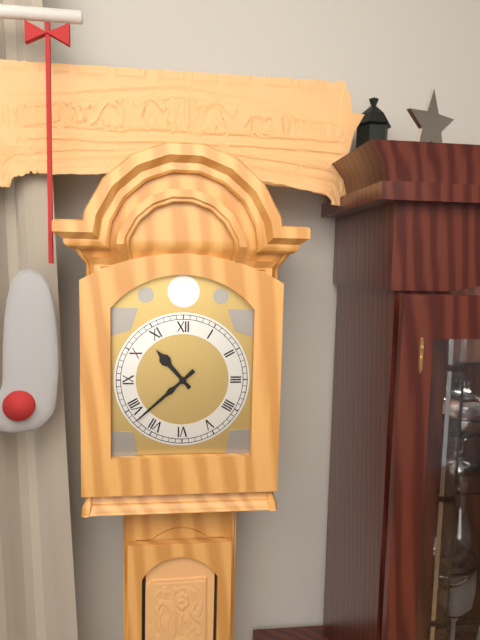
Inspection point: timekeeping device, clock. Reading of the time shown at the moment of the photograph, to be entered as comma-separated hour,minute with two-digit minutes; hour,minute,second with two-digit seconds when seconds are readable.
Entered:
10,38
